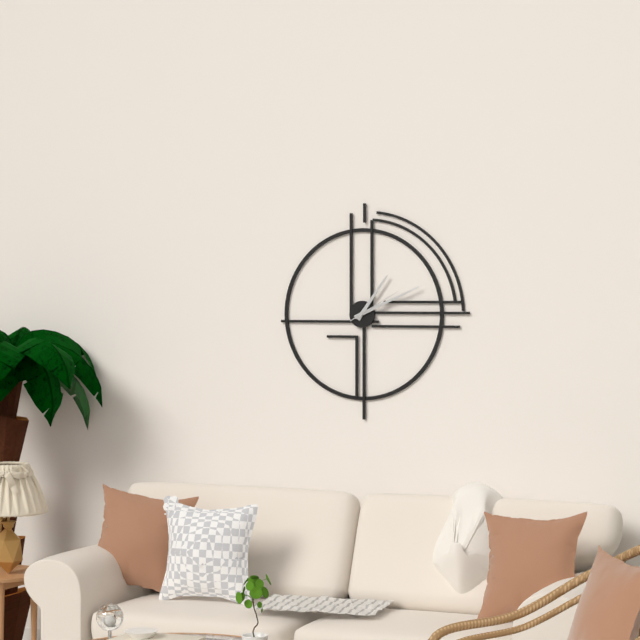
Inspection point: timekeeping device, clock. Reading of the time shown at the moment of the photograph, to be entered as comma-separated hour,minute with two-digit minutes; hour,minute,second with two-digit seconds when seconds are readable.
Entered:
1,11,10
